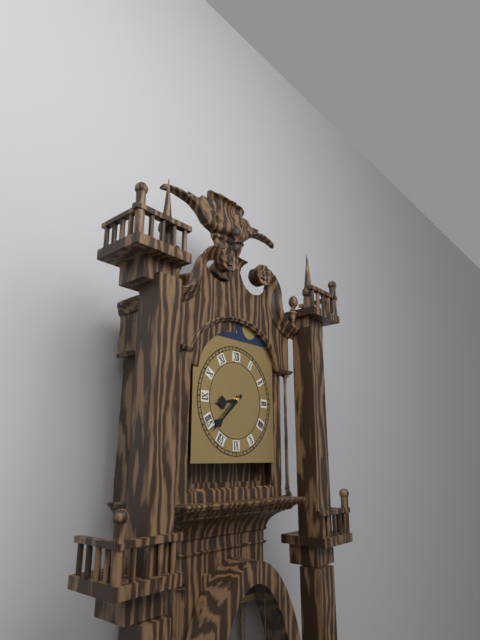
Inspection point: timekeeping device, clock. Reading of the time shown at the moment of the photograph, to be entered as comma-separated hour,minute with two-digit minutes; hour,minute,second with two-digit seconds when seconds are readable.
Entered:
8,38
